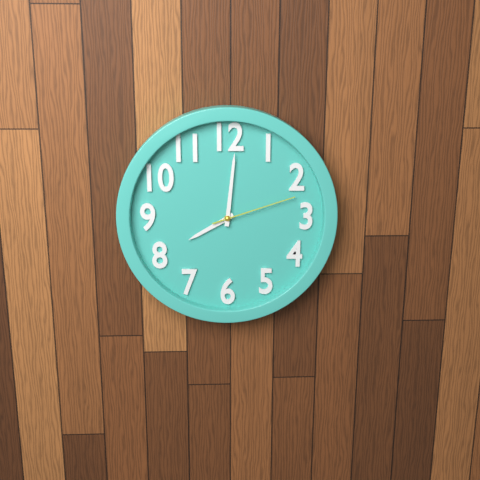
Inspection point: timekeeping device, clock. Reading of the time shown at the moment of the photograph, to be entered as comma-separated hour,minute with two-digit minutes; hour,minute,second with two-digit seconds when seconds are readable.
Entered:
8,01,12
